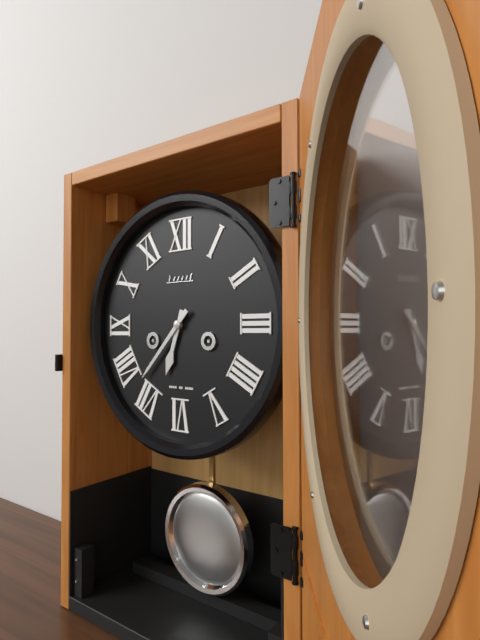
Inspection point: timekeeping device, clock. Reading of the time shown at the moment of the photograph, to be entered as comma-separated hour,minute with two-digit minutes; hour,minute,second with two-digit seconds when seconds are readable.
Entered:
6,37
